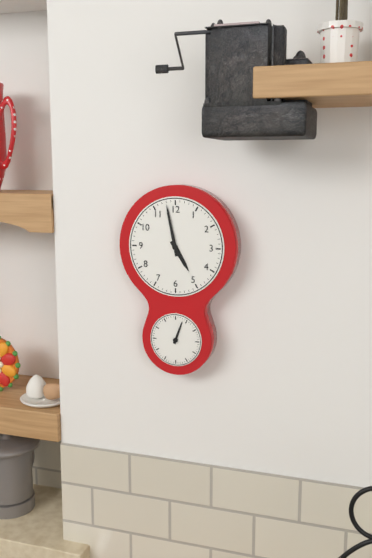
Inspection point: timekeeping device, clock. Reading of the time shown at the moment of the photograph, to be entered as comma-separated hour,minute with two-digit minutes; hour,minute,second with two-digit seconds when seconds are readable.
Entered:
4,58
